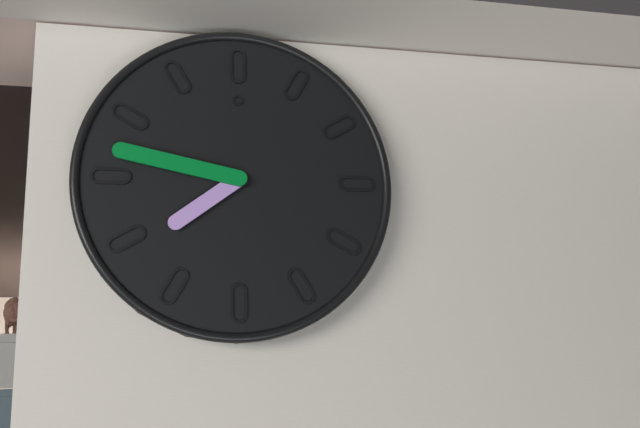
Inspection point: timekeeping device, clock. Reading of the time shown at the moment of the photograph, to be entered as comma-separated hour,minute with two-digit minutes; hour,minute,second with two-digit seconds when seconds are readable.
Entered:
7,47
